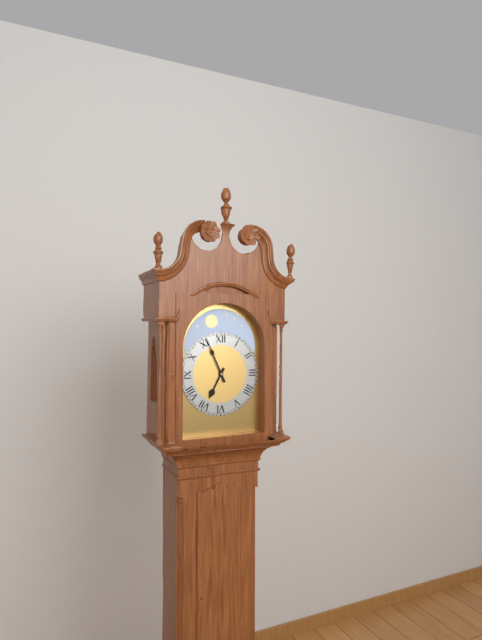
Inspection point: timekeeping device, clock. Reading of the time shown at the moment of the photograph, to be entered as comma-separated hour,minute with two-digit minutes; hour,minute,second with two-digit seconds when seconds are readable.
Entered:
6,56
